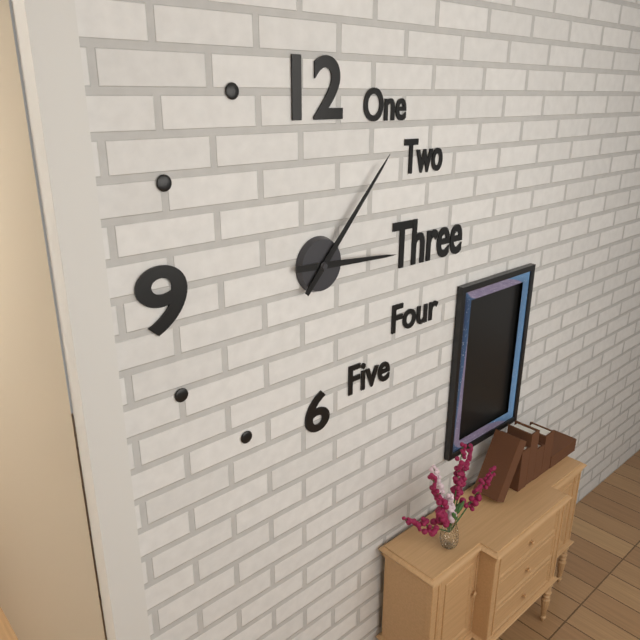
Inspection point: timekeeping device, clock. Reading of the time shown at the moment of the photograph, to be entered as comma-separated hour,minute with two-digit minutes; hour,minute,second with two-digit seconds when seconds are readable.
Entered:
3,07
